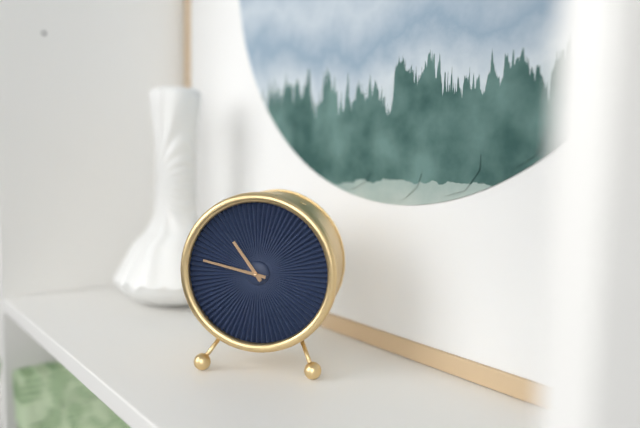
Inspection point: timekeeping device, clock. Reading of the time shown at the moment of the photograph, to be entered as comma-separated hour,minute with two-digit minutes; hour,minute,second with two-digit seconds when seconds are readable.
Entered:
10,47
